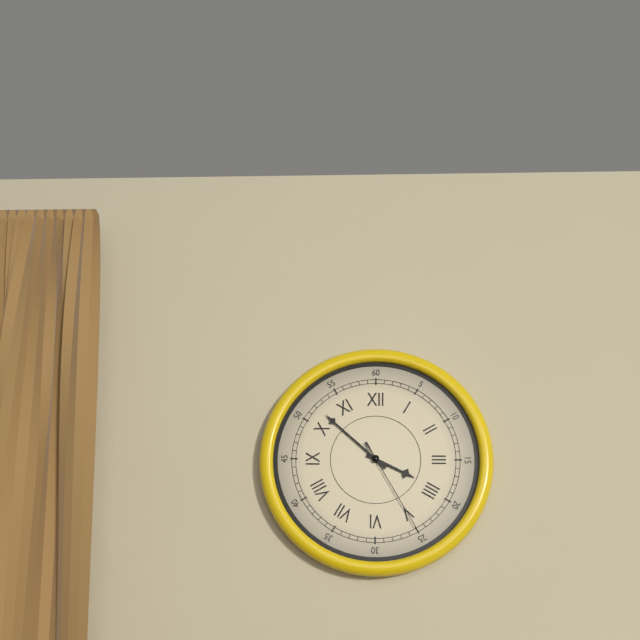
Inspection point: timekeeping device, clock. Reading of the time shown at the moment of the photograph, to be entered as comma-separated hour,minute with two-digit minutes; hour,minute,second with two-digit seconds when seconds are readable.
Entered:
3,52,25
